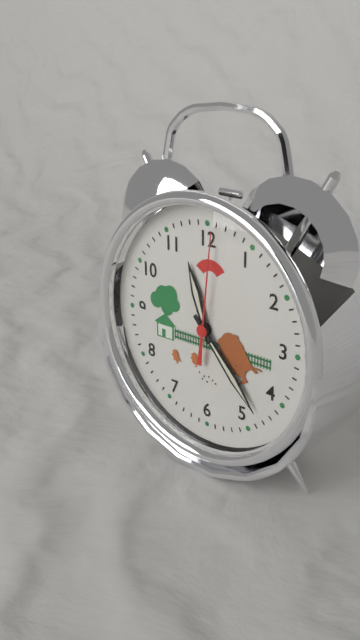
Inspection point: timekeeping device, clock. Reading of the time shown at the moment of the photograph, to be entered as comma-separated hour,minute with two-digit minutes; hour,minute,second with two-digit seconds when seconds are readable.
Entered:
11,23,01
